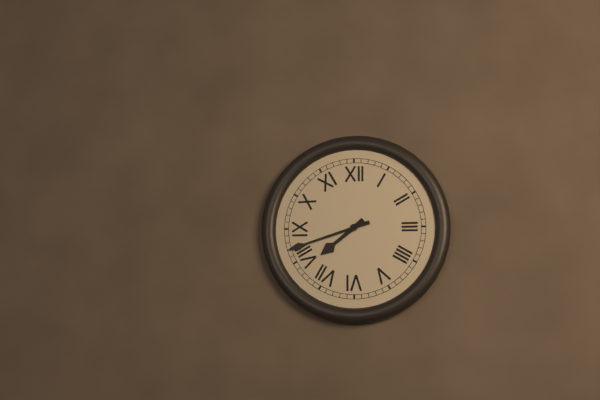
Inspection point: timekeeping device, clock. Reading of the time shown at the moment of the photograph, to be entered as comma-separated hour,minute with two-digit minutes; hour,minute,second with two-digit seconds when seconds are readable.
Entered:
7,42
